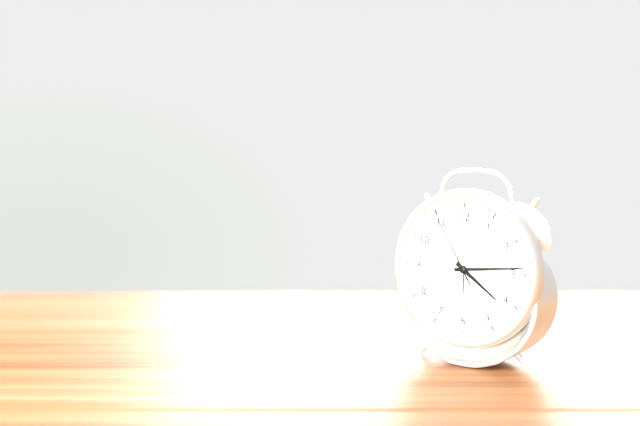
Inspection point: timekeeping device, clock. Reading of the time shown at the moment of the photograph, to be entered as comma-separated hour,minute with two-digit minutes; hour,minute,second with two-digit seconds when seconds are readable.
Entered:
4,14,55
